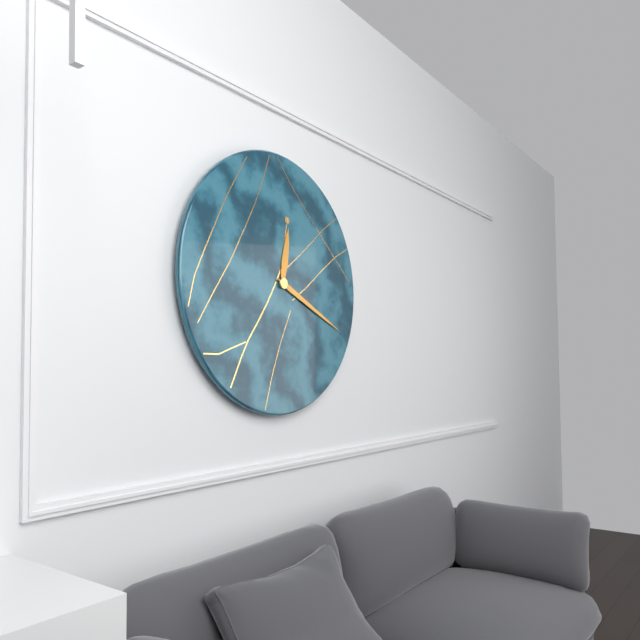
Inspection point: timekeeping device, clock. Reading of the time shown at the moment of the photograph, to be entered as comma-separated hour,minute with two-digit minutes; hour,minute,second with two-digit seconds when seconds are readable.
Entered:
12,19
